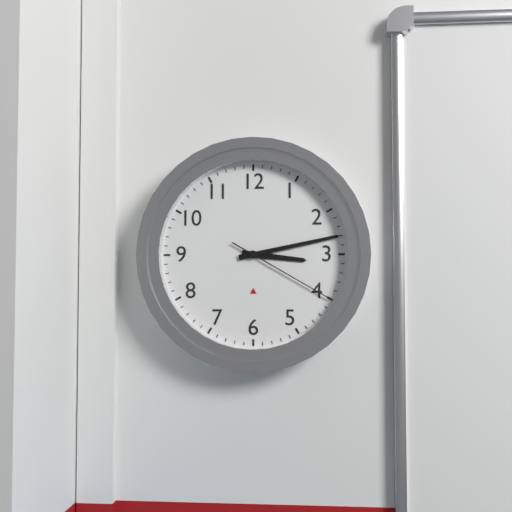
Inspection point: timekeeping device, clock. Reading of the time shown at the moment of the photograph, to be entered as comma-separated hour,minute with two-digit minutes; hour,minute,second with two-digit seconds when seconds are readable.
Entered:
3,13,20
